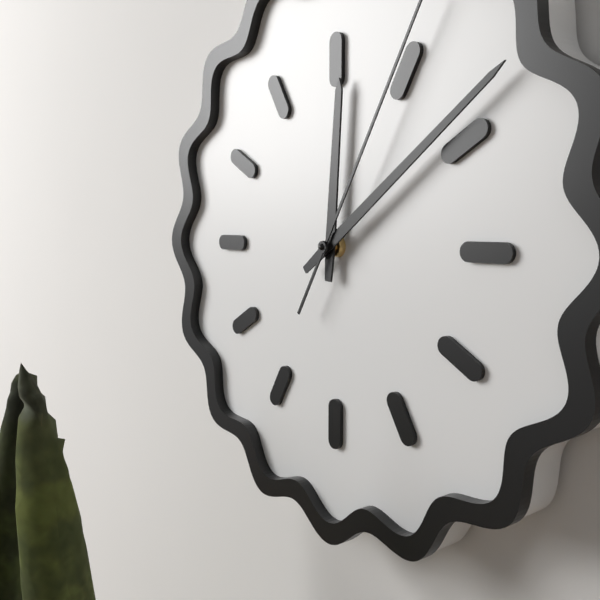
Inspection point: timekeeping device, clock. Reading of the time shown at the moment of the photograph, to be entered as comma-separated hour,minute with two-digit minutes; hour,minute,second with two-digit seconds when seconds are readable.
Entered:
12,09
